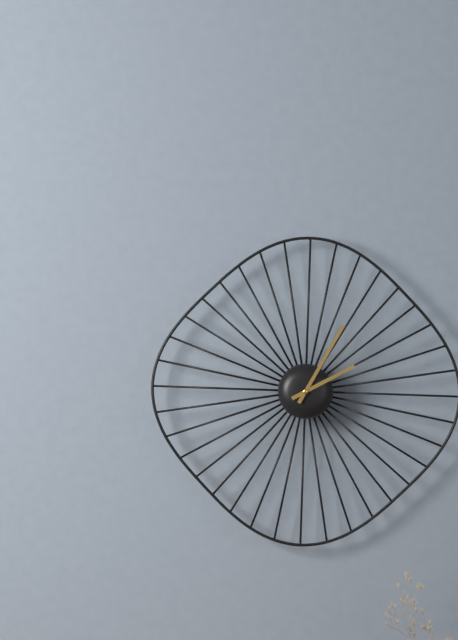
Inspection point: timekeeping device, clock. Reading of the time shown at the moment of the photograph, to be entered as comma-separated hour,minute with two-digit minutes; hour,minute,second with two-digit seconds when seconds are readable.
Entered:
2,05
